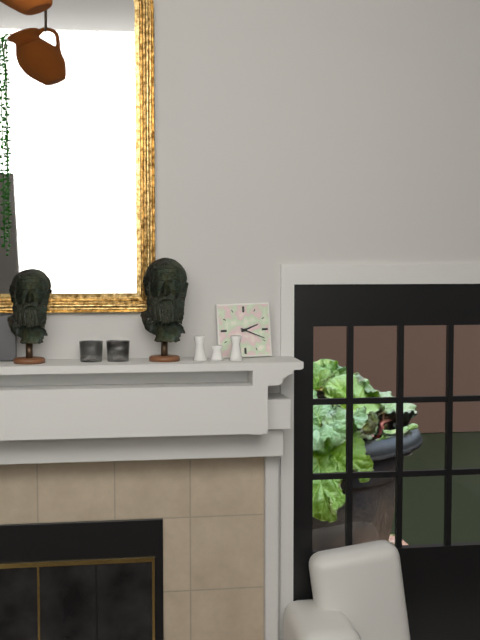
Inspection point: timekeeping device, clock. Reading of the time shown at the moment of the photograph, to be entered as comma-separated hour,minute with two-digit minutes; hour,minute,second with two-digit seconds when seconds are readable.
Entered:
2,19
